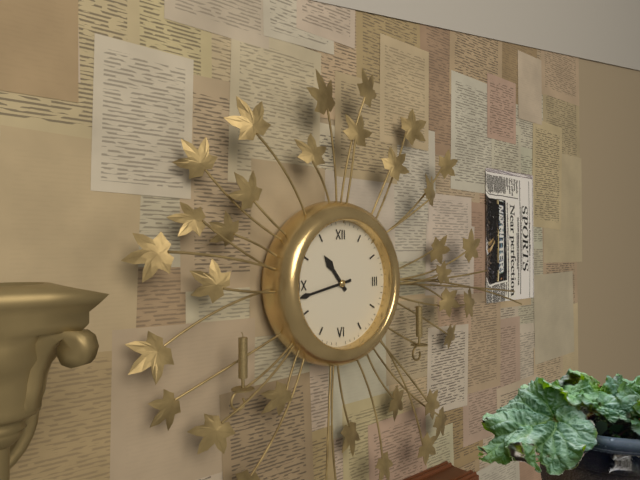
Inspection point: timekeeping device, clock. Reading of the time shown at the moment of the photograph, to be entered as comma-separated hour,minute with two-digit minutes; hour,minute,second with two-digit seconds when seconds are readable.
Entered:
10,43
